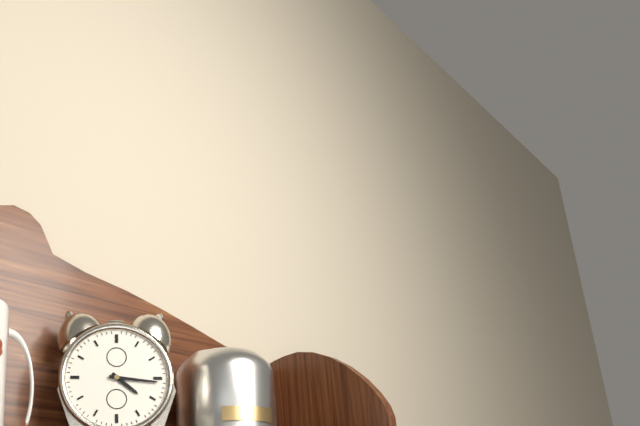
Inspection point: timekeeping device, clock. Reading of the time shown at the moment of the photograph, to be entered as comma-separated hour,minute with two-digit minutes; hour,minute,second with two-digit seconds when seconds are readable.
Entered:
4,16
